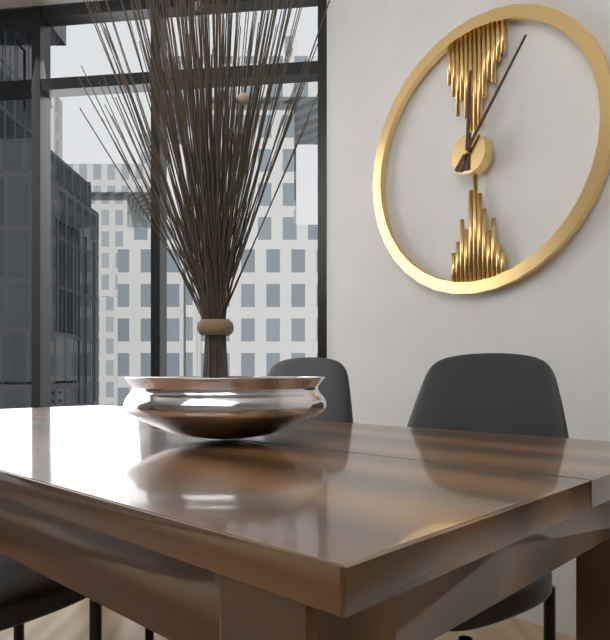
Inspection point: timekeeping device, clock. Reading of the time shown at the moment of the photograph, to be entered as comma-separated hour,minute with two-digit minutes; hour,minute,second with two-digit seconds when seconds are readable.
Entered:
12,06
